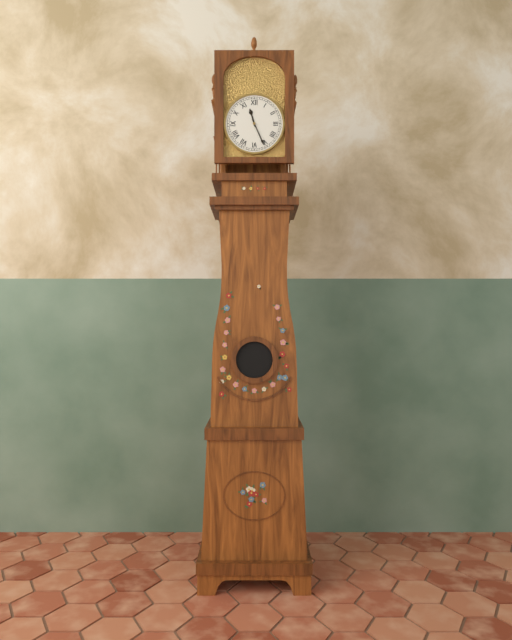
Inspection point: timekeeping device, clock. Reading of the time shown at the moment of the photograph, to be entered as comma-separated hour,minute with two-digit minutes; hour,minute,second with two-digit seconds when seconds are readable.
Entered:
11,26
